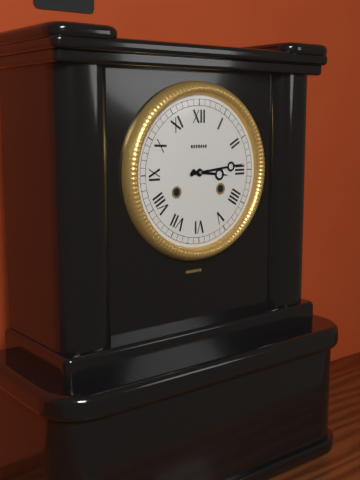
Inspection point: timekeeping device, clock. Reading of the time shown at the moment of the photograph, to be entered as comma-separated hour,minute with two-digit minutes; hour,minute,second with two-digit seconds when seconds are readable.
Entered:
3,14
